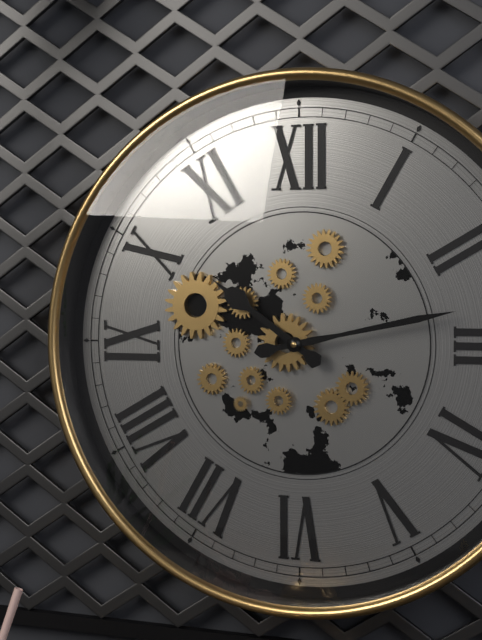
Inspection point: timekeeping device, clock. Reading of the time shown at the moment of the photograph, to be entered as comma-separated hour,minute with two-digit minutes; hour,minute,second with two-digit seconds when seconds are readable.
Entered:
10,13
